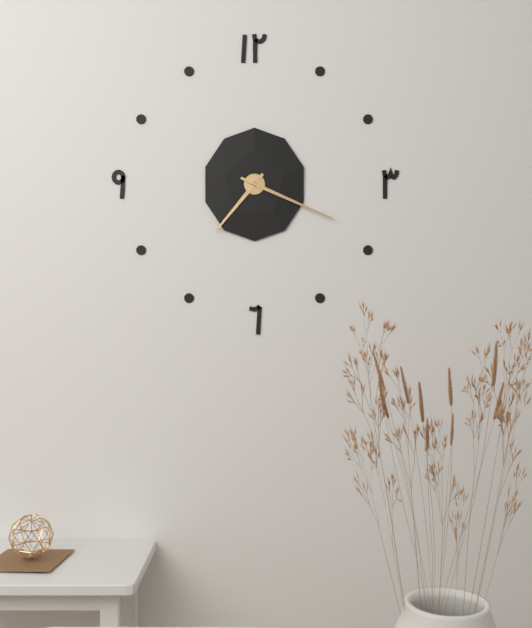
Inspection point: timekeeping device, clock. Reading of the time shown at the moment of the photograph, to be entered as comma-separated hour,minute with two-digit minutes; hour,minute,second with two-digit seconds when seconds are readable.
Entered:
7,19
